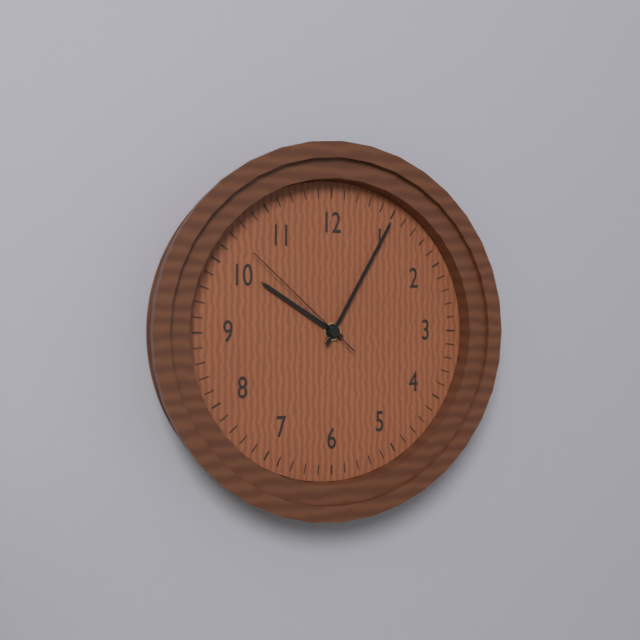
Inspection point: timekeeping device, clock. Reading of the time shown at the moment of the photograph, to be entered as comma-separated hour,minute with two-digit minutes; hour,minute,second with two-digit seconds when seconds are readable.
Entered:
10,05,52
